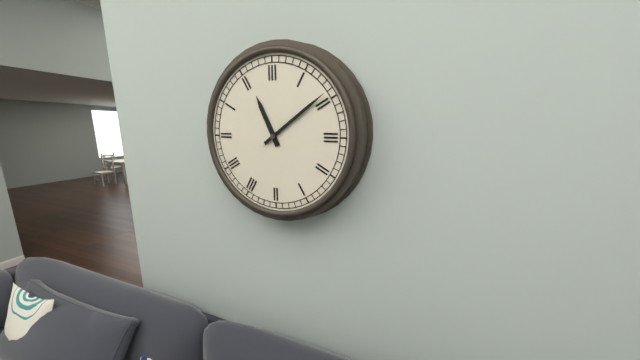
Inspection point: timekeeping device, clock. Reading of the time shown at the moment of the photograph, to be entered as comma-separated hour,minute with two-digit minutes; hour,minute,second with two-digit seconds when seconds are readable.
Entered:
11,09
